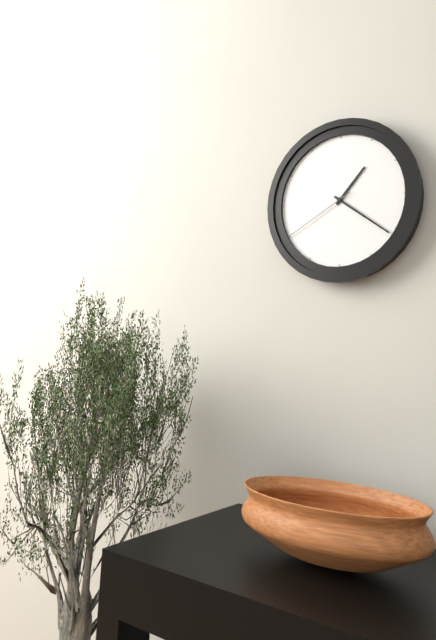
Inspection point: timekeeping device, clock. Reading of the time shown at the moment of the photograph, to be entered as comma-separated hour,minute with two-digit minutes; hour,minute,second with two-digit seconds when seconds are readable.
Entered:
1,21,40
